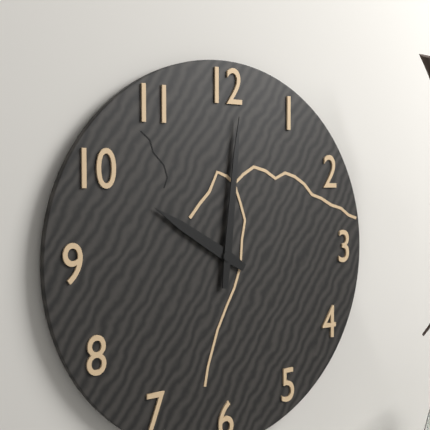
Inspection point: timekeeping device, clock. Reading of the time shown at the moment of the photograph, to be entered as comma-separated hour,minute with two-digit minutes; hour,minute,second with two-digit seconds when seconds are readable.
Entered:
10,01
